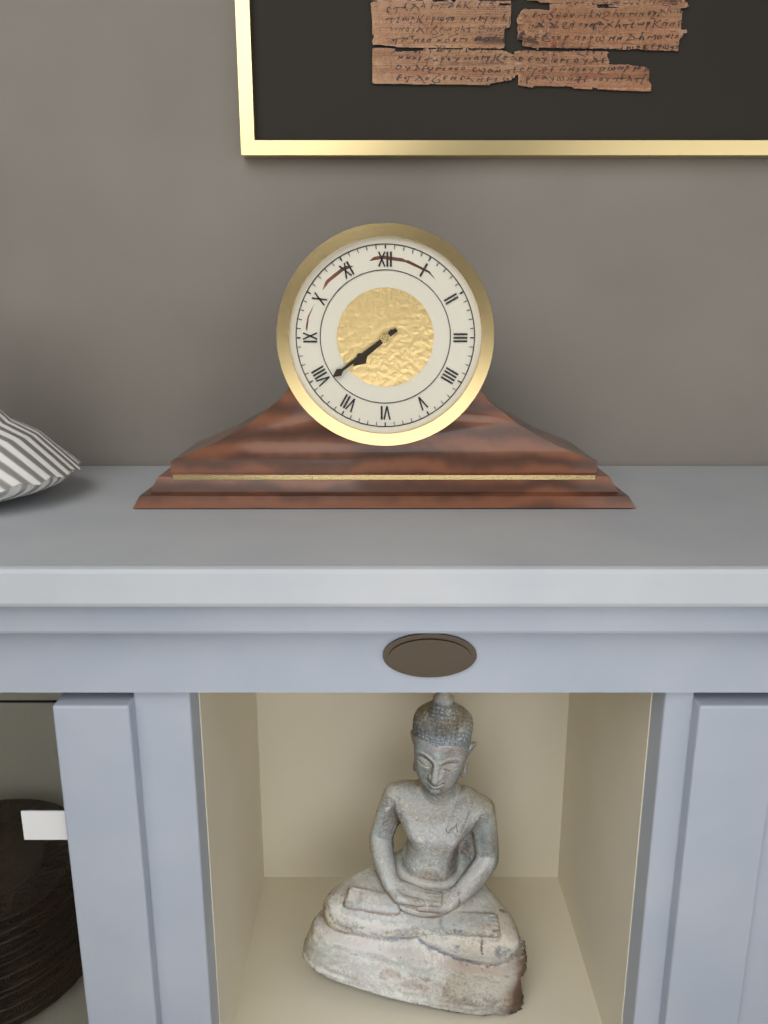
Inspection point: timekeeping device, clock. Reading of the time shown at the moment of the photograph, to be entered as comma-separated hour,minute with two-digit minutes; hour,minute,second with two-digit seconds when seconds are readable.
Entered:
7,39
